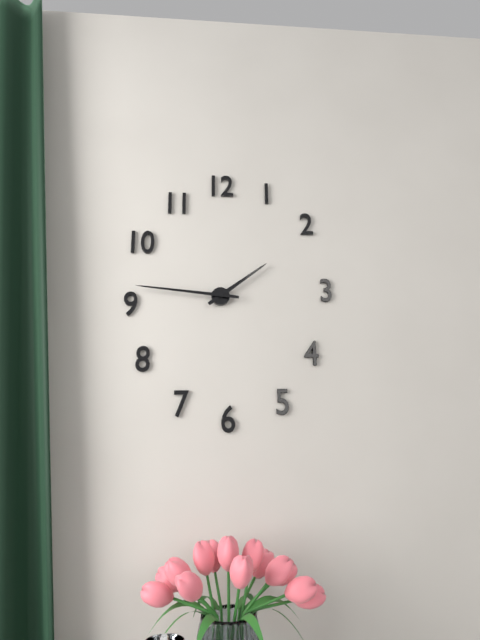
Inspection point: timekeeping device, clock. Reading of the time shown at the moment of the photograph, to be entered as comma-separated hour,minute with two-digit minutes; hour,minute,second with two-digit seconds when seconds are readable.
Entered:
1,46
